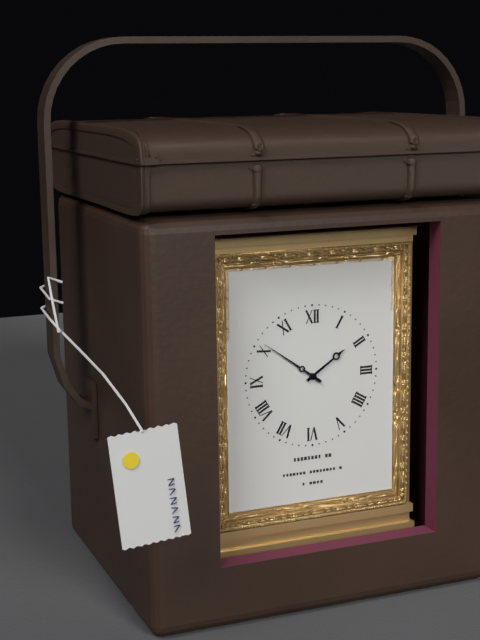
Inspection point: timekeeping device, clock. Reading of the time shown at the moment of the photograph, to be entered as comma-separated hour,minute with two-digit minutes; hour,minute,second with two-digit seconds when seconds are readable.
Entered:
1,51
